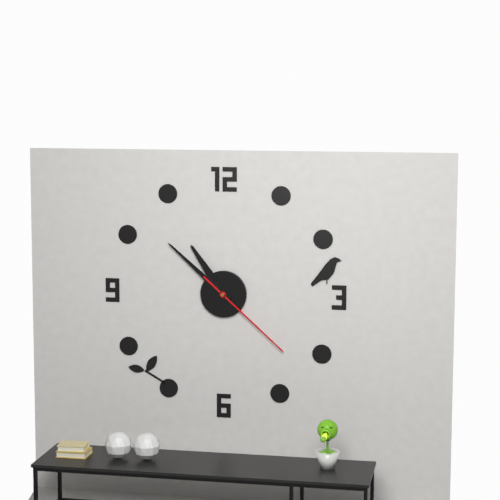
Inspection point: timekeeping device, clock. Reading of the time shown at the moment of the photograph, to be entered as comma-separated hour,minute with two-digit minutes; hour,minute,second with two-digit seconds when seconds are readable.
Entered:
10,52,22
